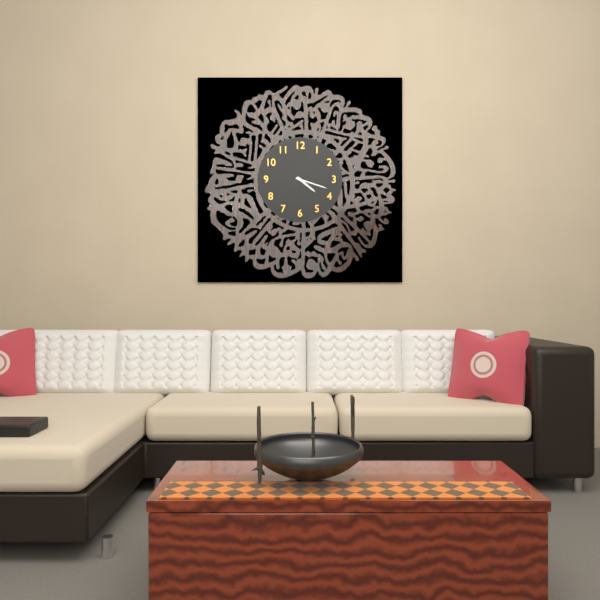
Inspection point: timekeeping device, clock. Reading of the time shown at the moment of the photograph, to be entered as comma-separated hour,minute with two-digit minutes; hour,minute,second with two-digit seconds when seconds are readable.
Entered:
4,18
